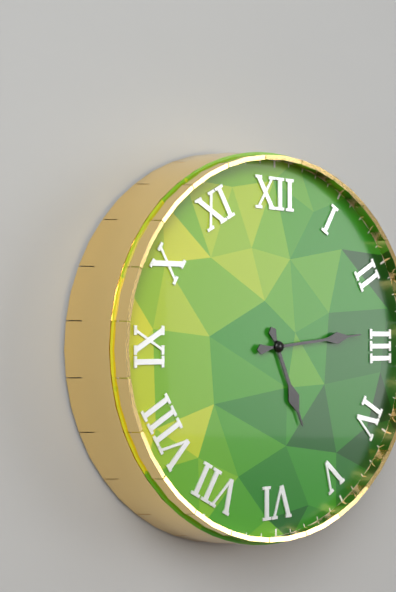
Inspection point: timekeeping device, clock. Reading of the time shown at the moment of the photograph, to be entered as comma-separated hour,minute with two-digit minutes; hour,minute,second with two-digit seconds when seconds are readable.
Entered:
5,14
